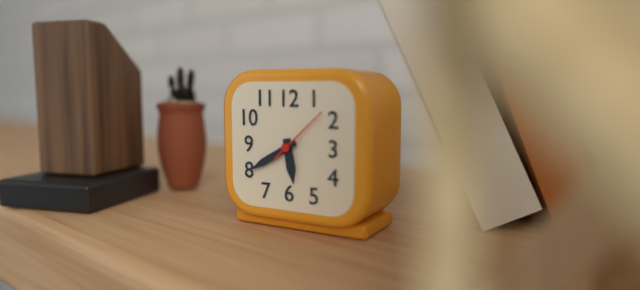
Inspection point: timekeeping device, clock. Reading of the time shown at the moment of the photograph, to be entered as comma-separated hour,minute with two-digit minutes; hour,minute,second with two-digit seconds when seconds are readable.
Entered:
5,40
